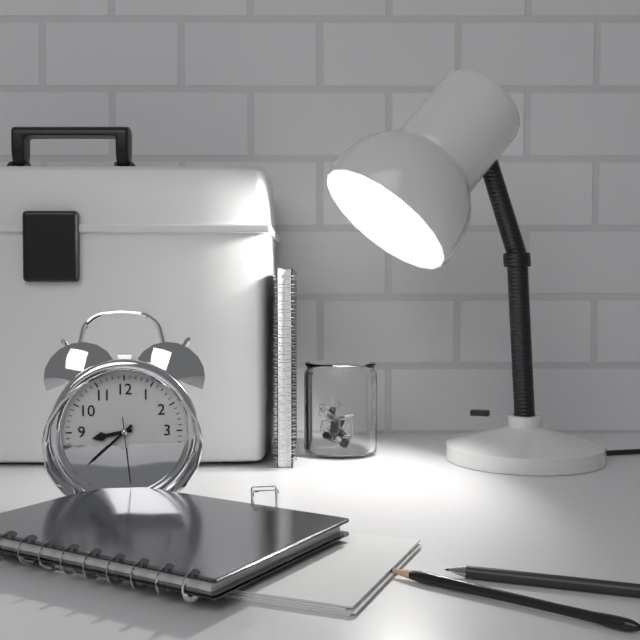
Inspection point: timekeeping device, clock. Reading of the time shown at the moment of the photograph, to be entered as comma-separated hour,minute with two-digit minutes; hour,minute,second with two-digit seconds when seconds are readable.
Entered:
8,38,29
